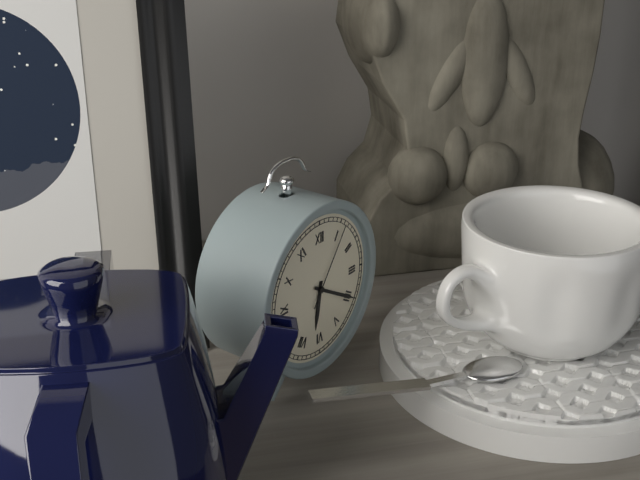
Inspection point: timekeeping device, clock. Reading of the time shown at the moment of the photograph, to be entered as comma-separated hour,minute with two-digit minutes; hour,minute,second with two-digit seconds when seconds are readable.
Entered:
6,20,06
